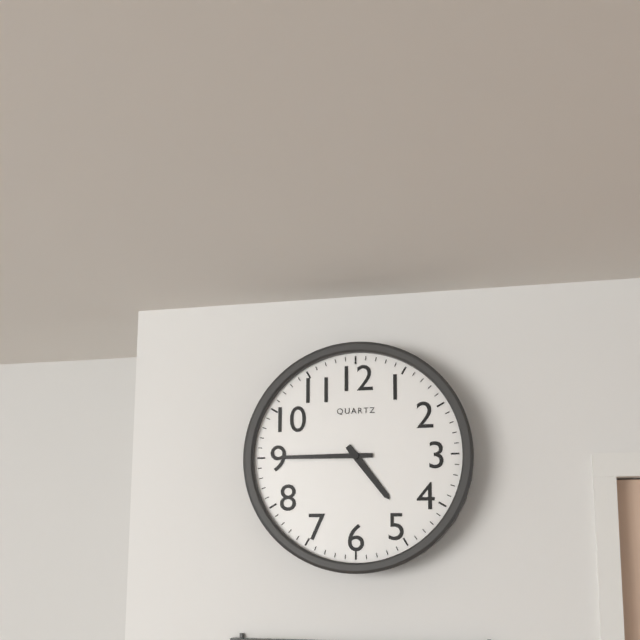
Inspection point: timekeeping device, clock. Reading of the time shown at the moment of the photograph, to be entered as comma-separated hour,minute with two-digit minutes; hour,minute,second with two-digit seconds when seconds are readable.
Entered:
4,45
